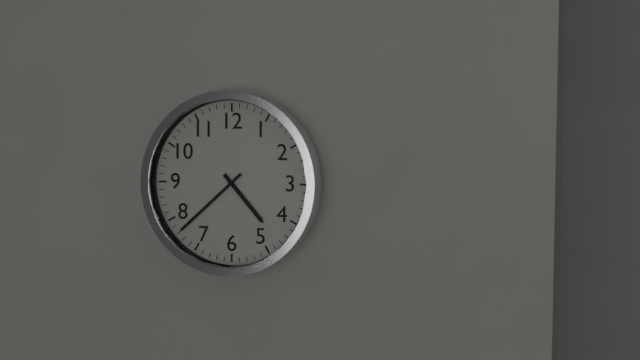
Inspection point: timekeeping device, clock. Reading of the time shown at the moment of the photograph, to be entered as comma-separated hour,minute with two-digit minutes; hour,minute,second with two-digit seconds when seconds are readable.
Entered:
4,38
